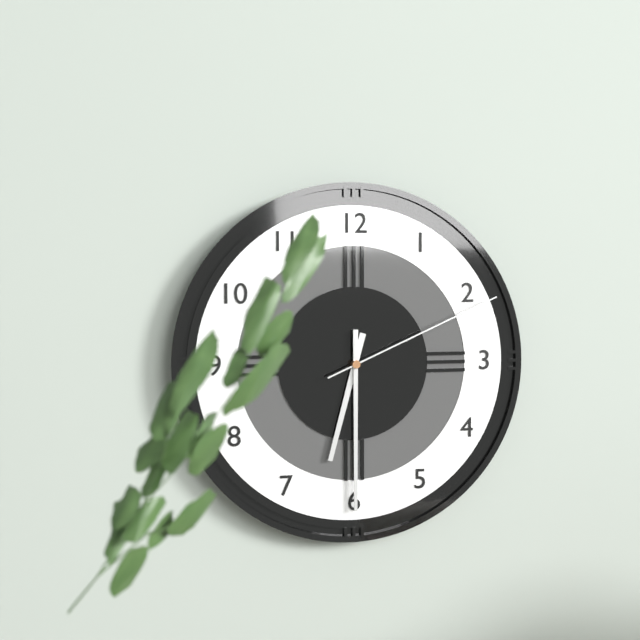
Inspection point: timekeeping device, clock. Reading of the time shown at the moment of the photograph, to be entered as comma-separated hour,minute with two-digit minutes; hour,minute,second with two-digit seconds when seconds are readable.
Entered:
6,30,11
